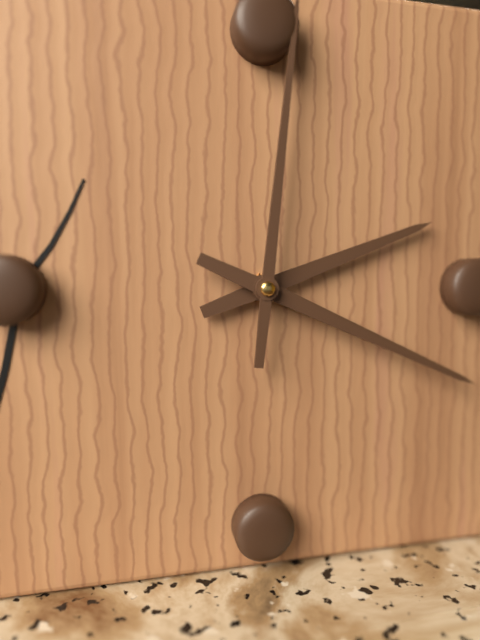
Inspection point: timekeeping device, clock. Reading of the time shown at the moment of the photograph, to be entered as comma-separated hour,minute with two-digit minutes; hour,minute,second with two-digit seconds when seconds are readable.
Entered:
2,19
